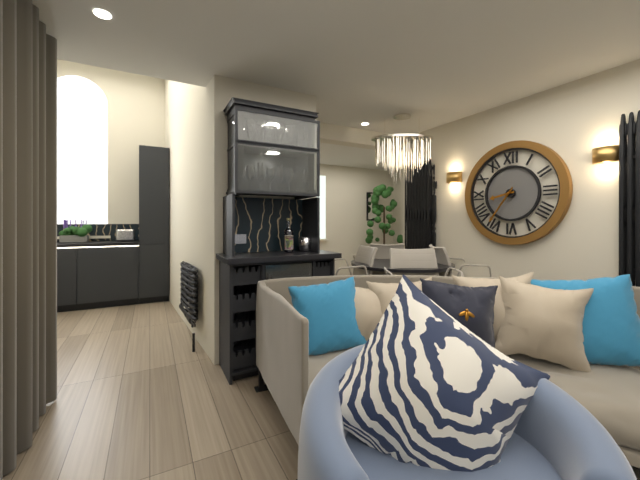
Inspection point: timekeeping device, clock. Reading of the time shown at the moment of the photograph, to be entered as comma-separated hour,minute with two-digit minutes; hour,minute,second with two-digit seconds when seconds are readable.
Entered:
8,36
